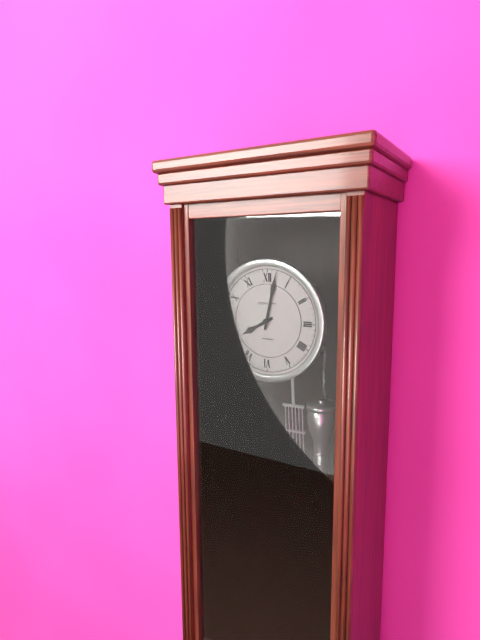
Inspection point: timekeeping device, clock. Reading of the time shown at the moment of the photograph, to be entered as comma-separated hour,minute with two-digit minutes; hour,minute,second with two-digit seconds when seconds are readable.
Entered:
8,02
